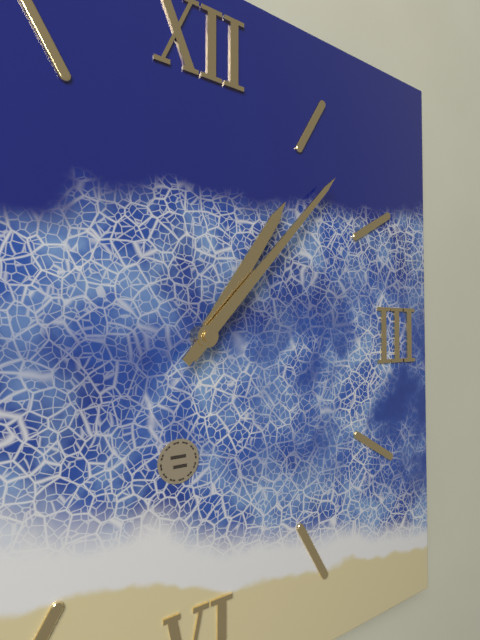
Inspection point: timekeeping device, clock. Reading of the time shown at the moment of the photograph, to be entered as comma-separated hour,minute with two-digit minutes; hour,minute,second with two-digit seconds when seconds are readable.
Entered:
1,07
